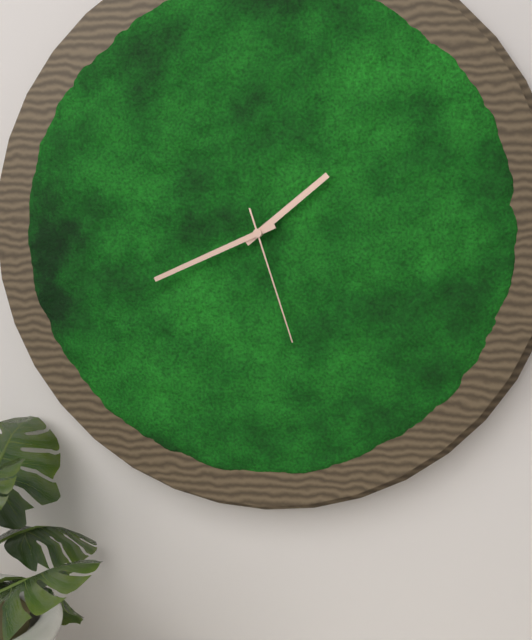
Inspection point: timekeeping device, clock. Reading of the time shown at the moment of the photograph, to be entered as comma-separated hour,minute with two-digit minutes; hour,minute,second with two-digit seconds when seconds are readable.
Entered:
1,41,27
